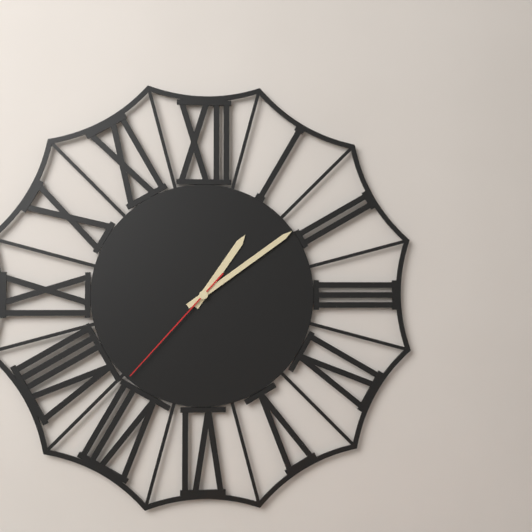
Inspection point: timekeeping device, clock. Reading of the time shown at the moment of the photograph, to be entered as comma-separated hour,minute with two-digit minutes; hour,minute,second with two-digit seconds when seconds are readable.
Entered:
1,09,37
